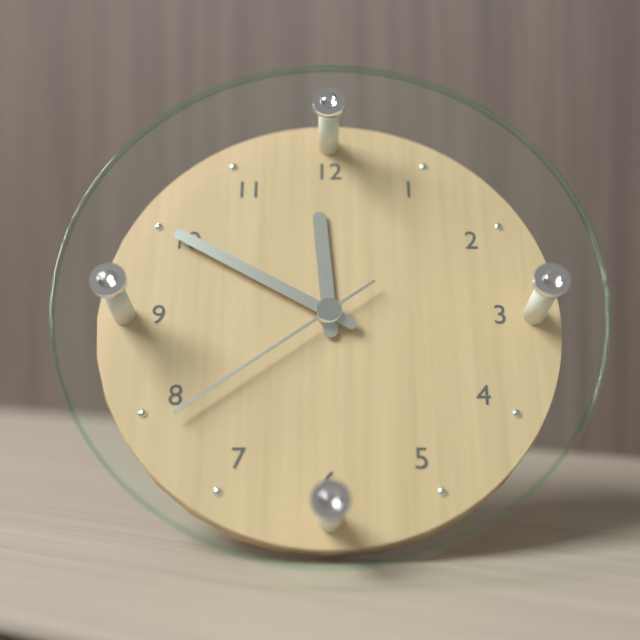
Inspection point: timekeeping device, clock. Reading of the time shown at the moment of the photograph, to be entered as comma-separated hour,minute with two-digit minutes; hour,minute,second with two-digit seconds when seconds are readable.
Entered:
11,50,39
